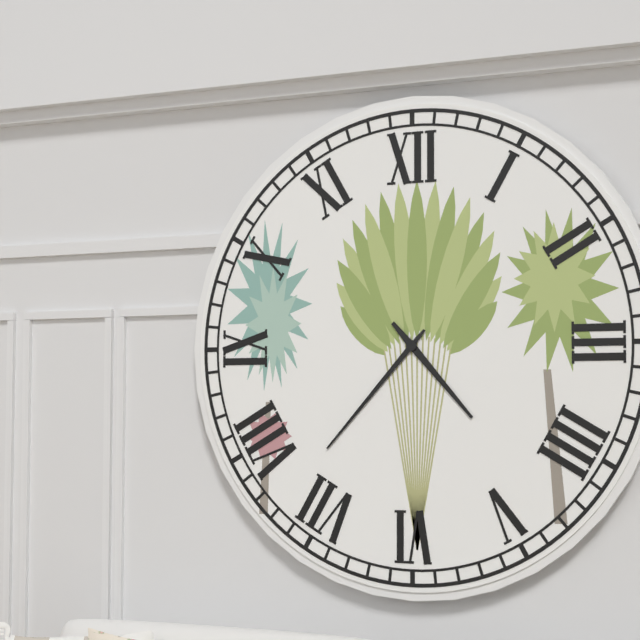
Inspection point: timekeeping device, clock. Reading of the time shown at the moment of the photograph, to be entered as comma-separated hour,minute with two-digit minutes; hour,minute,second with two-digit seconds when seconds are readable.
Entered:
4,37
